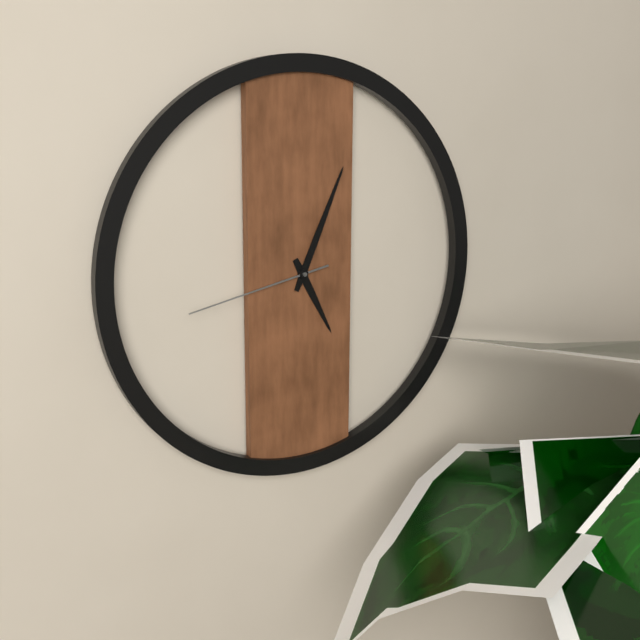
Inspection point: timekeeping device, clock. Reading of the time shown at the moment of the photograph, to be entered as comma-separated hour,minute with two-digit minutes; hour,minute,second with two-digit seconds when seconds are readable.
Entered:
5,04,43
